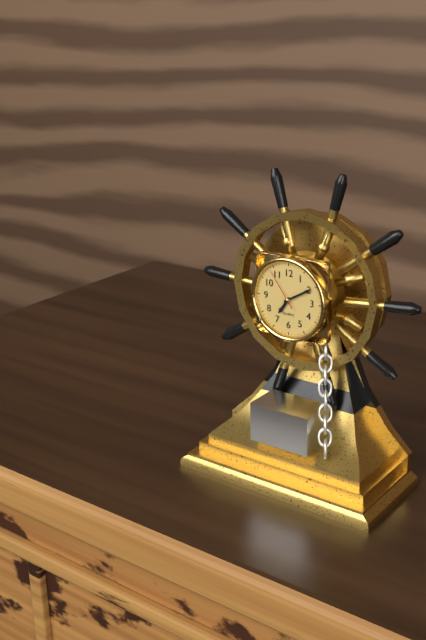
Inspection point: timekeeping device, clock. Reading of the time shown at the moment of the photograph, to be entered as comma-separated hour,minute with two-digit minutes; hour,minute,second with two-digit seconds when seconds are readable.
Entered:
7,10
